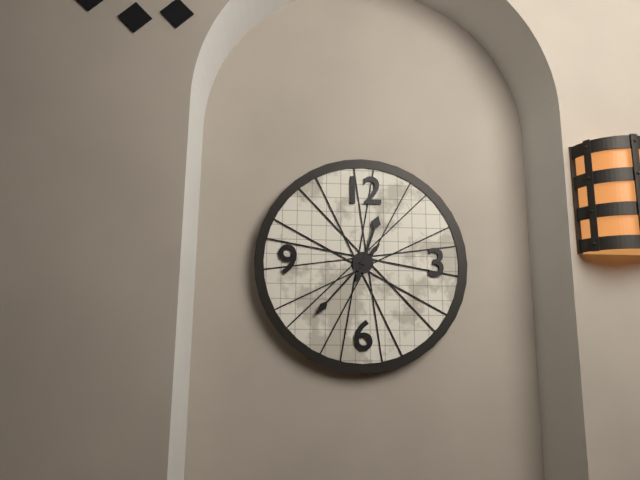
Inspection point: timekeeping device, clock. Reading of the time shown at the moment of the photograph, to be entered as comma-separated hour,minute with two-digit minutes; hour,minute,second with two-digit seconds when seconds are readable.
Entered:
12,37
